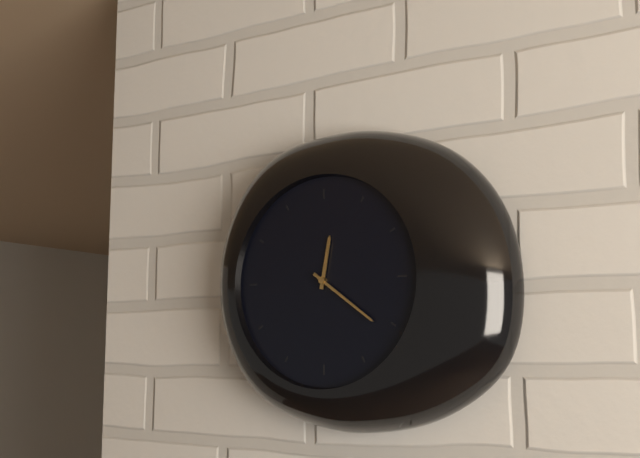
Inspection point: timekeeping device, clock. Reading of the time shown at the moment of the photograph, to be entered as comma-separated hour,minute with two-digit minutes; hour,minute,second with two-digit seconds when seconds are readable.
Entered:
12,21
